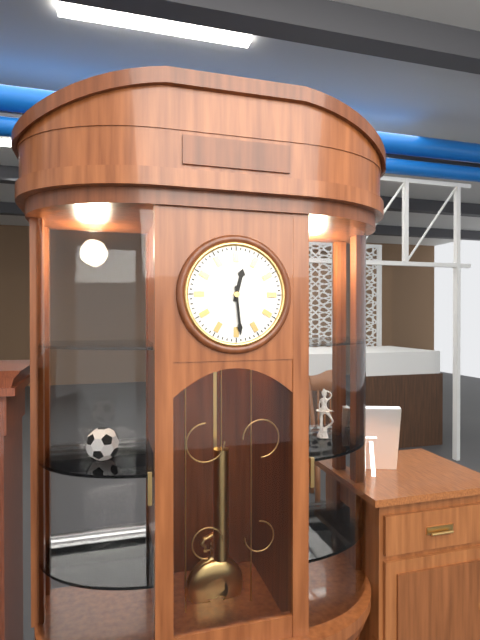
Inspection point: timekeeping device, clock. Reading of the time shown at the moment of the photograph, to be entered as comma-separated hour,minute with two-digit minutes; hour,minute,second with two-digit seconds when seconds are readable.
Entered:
12,29
